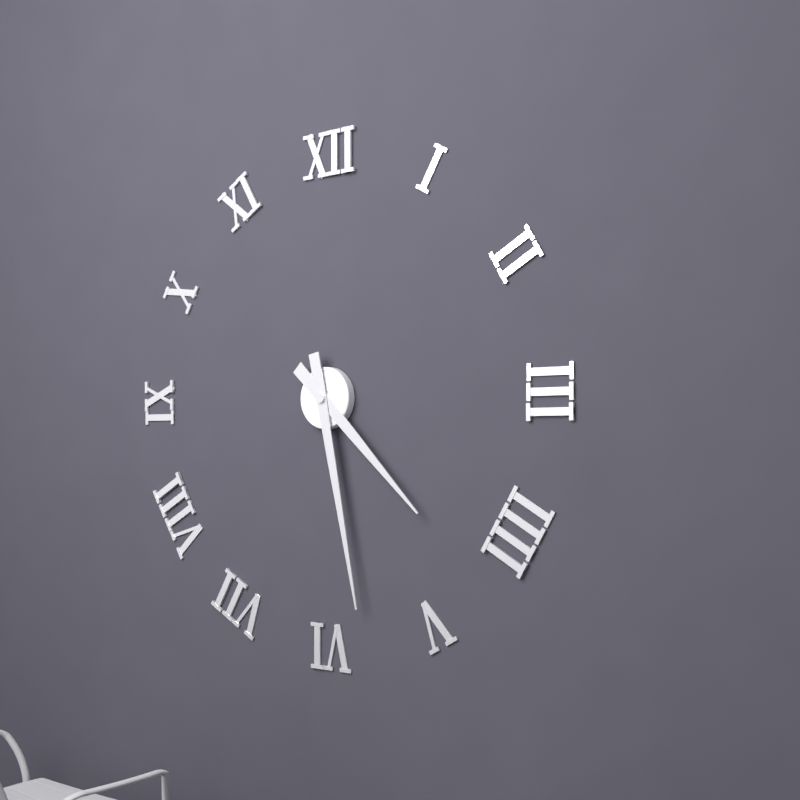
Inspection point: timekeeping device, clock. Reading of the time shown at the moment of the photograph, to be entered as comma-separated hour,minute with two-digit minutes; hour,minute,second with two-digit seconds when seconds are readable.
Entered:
4,28
